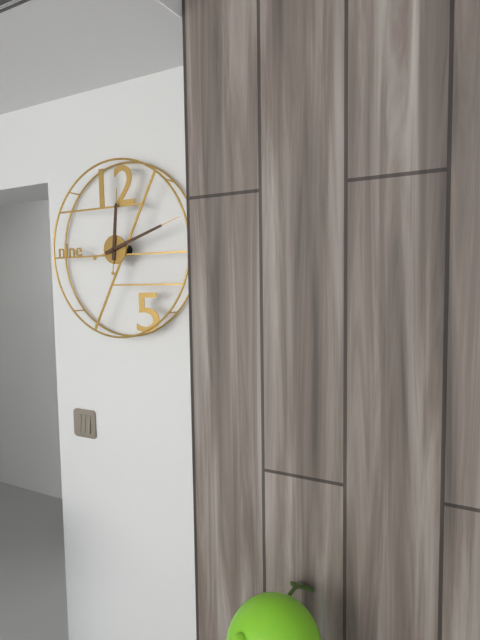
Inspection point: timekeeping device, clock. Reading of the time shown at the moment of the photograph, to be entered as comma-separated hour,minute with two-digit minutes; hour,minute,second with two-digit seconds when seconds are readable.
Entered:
12,12
